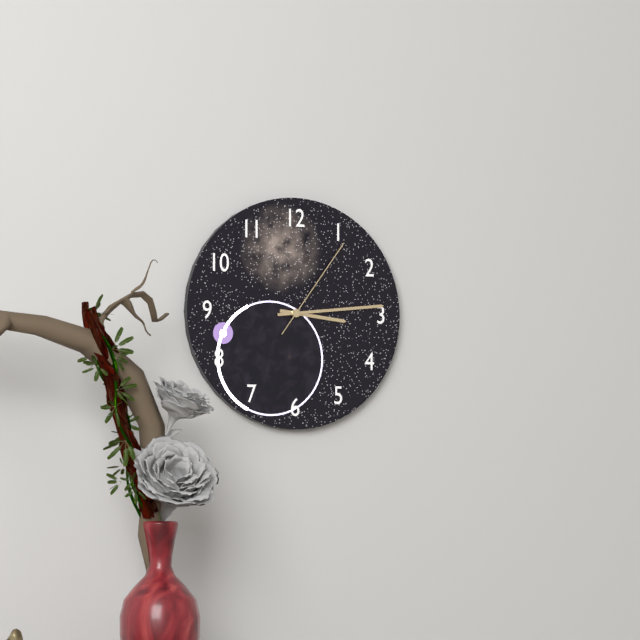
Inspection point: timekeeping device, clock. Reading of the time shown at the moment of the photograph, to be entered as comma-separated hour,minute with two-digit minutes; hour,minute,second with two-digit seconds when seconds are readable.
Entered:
3,14,06
